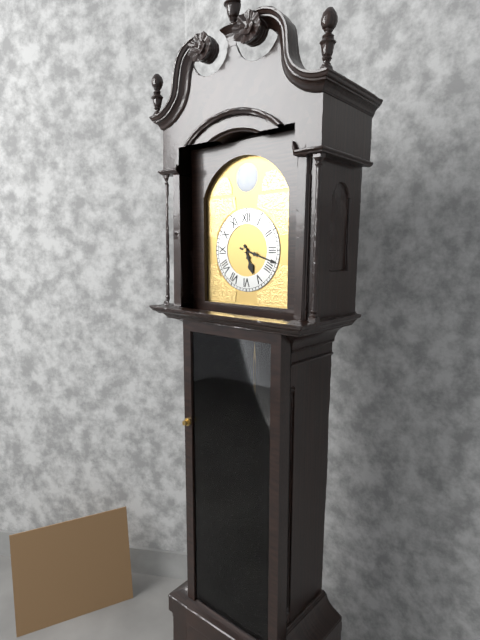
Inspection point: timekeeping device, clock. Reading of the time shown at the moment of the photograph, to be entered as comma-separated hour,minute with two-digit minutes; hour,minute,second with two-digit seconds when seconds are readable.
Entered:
5,18
